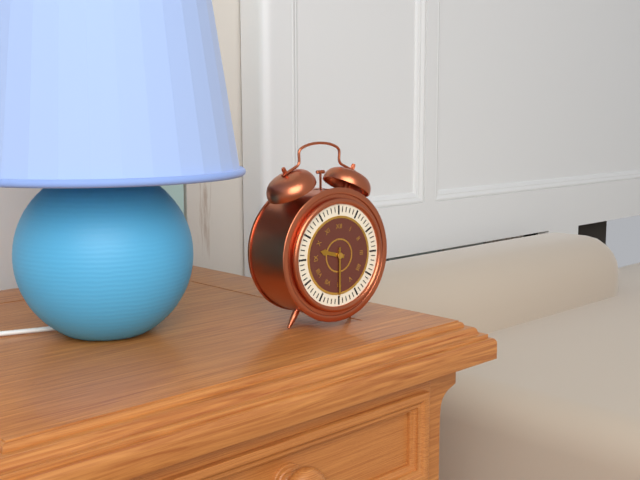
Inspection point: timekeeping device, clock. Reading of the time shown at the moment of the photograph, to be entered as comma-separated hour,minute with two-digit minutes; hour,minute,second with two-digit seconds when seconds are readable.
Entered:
9,30
